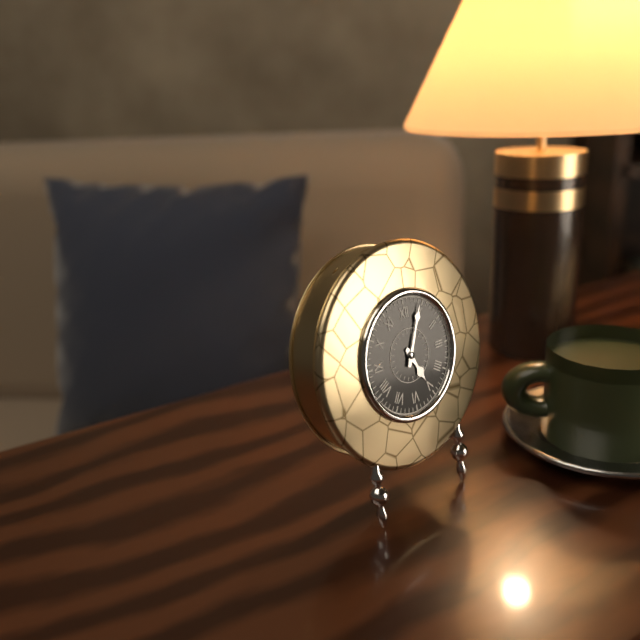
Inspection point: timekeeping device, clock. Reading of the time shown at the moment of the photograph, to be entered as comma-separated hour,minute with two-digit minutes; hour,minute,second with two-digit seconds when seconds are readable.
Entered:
5,04
